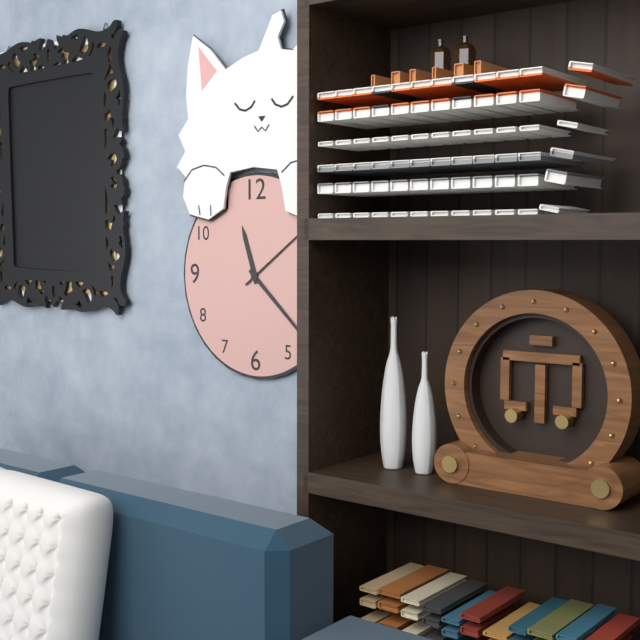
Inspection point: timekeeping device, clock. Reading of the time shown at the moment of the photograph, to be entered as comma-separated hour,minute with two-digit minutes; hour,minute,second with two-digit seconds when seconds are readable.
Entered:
11,22,09
